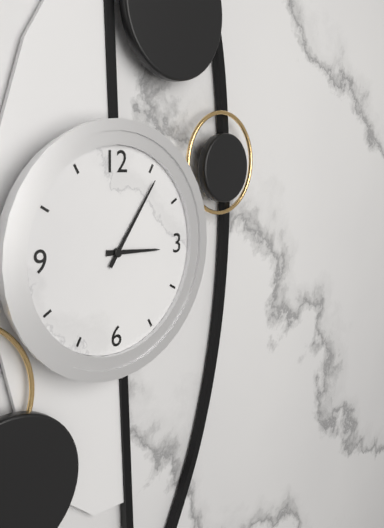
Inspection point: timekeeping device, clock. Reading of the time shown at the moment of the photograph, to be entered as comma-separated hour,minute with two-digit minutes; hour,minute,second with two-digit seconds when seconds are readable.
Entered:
3,06
